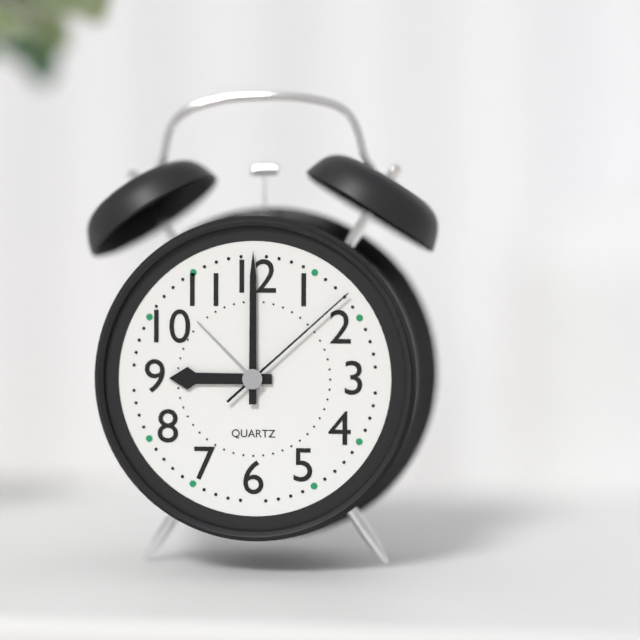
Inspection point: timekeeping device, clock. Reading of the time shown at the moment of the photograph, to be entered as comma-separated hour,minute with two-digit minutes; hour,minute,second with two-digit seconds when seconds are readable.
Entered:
9,00,08
